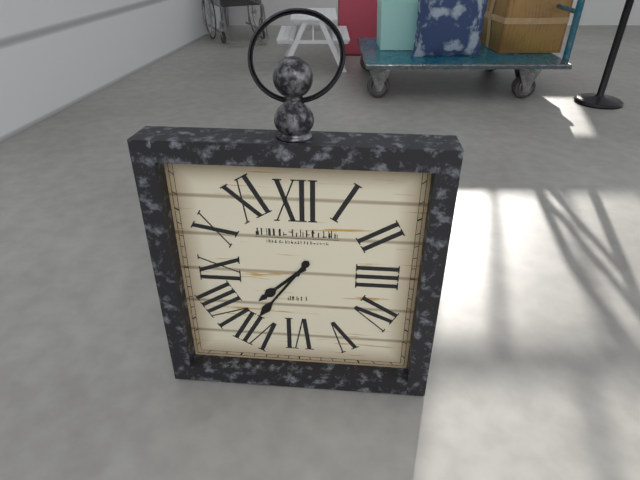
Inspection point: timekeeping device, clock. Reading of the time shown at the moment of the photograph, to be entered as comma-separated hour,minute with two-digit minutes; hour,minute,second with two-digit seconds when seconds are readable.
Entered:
7,36
